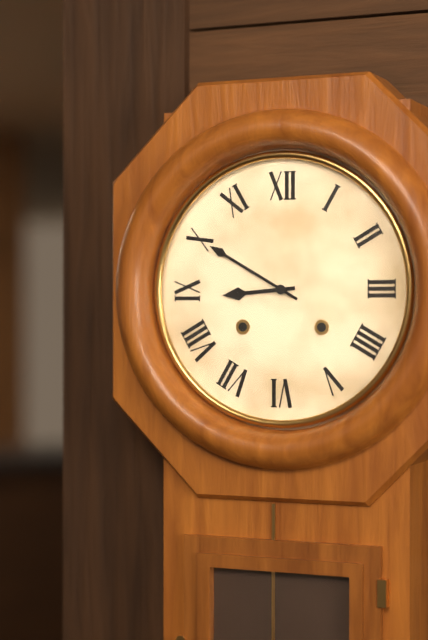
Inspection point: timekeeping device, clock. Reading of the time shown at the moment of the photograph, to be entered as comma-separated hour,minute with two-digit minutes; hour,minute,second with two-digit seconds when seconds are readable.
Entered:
8,50
